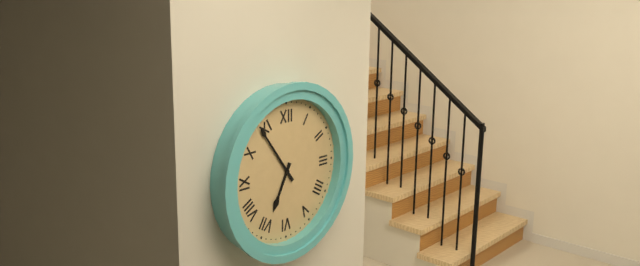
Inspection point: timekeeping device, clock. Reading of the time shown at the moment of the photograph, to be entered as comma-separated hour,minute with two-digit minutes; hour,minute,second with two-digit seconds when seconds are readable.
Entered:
6,54
